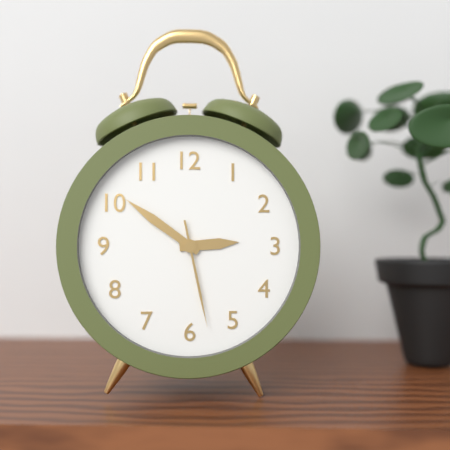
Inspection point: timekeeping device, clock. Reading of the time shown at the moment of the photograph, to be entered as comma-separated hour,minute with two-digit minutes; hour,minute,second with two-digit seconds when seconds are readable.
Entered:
2,51,28
